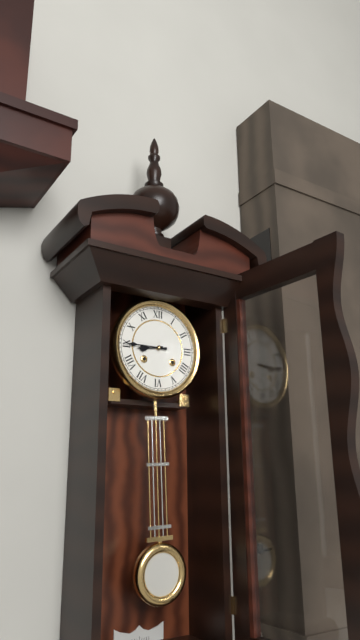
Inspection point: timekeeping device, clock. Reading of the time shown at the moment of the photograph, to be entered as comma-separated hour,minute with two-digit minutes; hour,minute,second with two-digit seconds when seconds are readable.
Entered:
8,45
